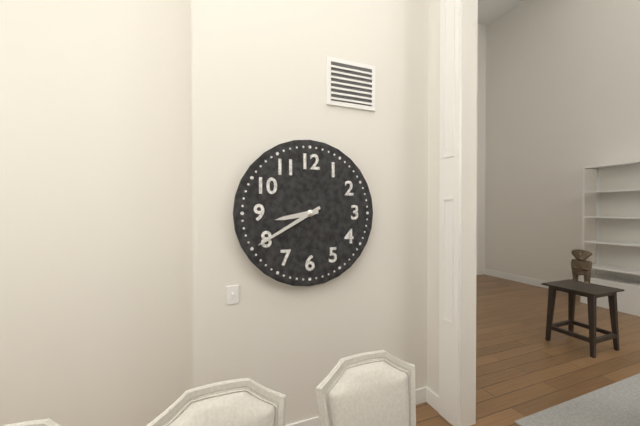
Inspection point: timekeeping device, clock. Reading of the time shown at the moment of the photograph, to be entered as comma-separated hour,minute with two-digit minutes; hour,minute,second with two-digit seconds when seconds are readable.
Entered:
8,40
